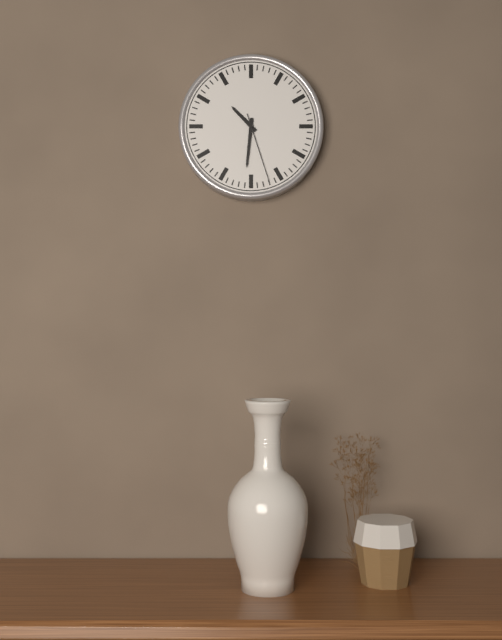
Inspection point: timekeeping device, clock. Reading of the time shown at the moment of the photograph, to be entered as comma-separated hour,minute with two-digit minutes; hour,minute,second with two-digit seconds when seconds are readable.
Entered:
10,31,27
